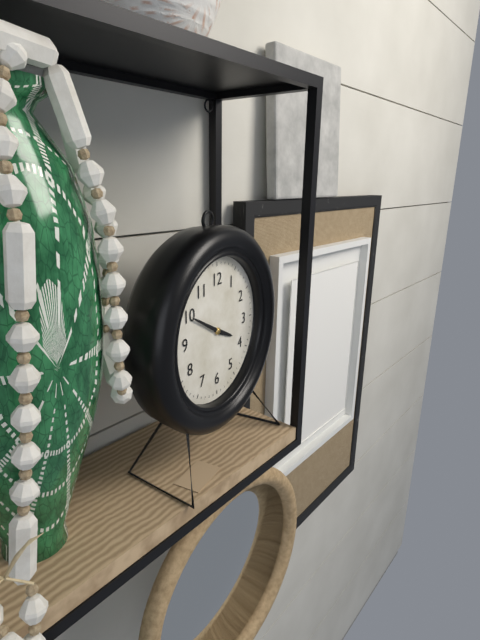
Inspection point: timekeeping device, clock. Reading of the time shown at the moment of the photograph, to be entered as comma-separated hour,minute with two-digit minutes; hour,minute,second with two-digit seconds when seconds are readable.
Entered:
3,50
